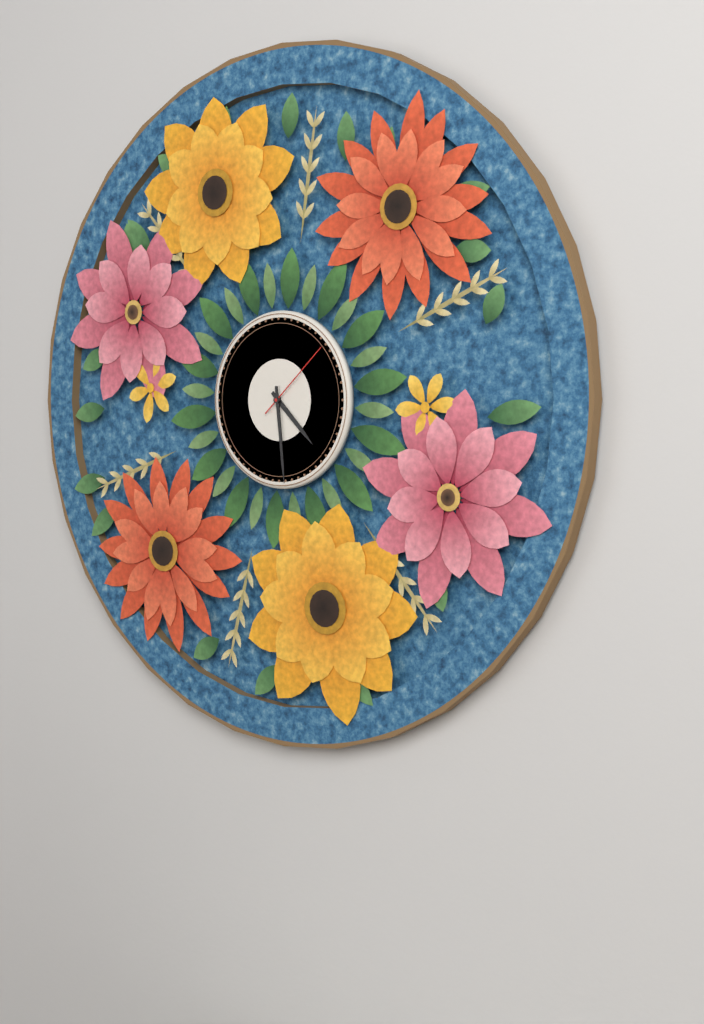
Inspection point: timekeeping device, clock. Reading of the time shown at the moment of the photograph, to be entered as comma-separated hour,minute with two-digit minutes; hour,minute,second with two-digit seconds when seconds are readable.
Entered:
4,29,08
